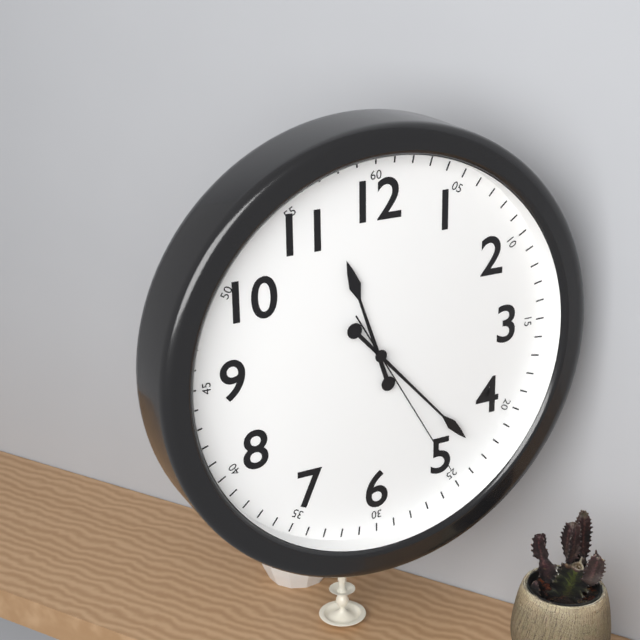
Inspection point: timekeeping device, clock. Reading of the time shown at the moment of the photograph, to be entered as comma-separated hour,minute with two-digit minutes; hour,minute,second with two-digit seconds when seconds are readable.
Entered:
11,23,25
